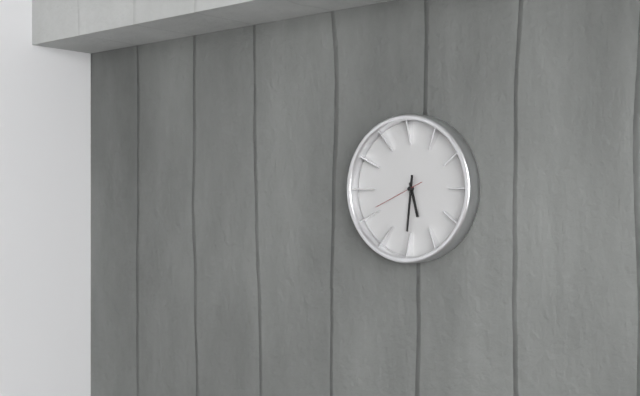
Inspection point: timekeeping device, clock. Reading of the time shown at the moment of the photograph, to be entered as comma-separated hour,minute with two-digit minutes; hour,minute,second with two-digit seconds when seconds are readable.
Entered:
5,31
